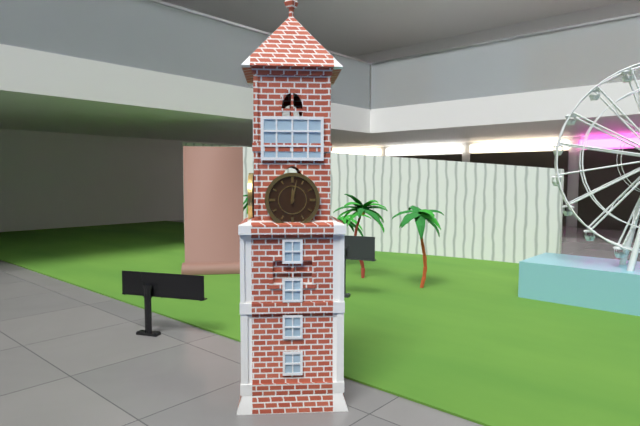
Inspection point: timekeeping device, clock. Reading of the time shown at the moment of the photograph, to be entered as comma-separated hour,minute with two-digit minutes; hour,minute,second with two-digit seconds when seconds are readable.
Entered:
12,02
